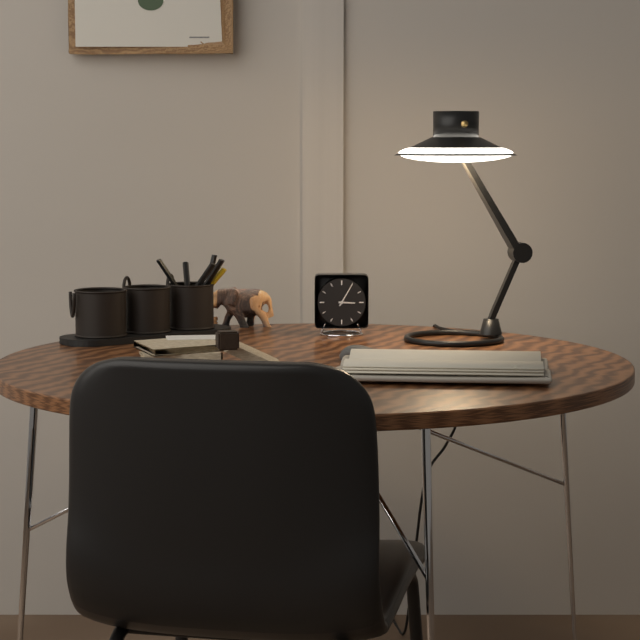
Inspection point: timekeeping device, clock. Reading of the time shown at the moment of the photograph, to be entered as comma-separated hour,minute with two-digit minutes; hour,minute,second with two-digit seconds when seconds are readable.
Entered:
3,05
